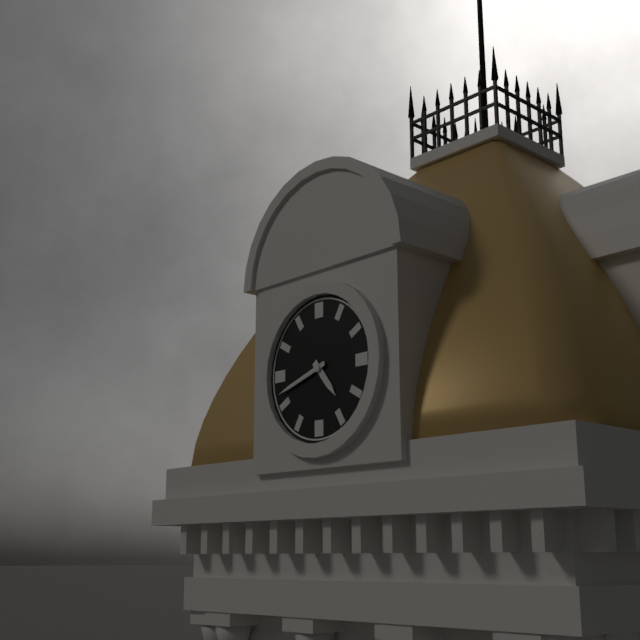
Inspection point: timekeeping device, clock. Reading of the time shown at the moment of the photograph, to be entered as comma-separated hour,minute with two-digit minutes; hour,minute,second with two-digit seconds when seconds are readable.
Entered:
4,42
